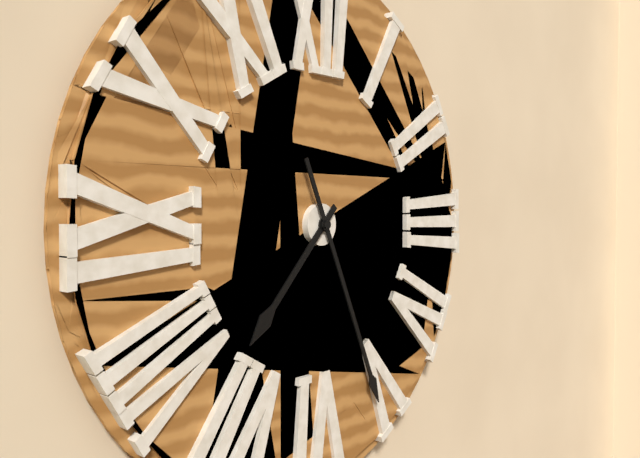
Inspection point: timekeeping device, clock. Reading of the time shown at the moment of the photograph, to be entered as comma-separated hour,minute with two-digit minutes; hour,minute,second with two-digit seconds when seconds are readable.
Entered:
7,26
